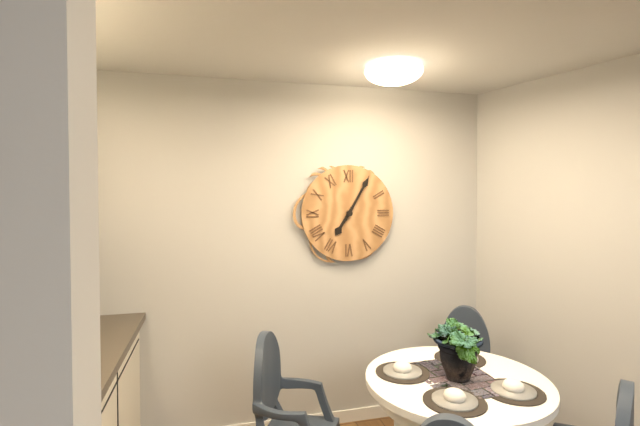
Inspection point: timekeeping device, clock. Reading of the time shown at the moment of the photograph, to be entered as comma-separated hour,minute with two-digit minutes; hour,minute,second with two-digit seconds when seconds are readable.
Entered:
7,05
